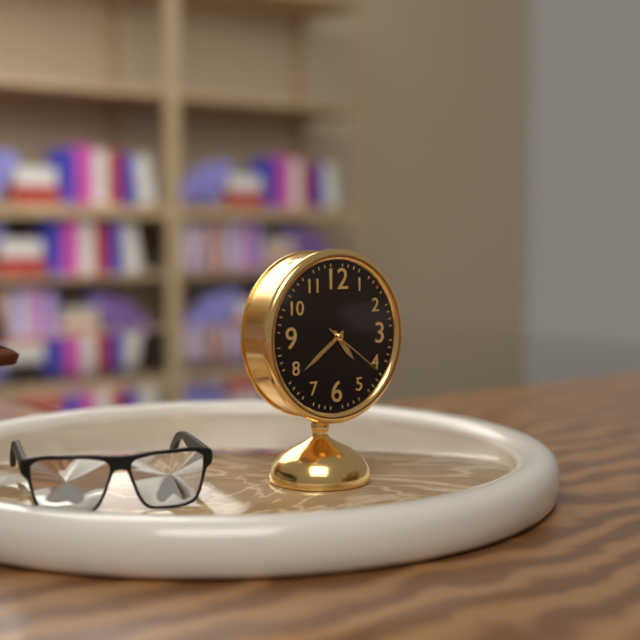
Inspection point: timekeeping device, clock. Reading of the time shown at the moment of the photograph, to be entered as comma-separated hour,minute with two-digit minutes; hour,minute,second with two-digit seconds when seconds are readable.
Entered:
4,39,21
